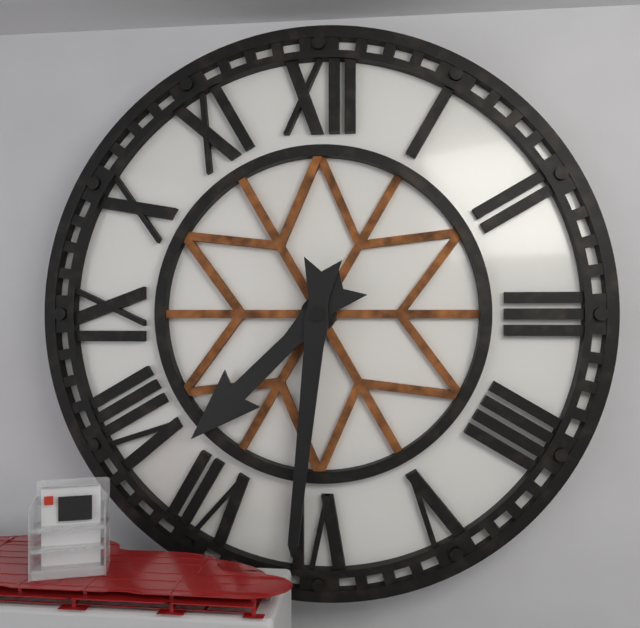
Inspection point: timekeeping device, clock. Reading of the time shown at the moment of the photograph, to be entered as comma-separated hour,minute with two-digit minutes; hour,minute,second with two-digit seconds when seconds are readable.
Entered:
7,31
